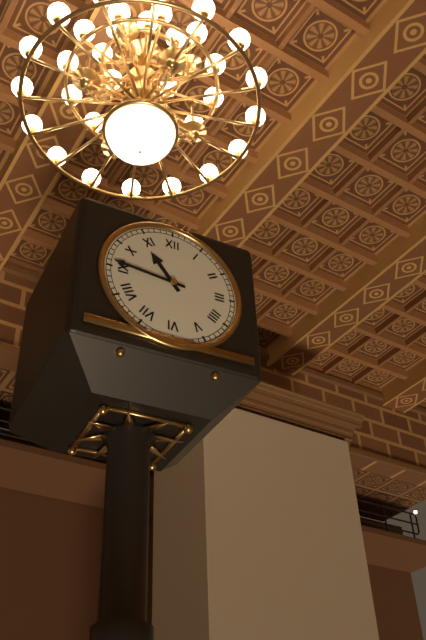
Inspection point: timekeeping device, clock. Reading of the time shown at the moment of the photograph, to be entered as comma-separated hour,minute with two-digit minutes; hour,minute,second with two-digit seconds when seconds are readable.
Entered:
10,46
